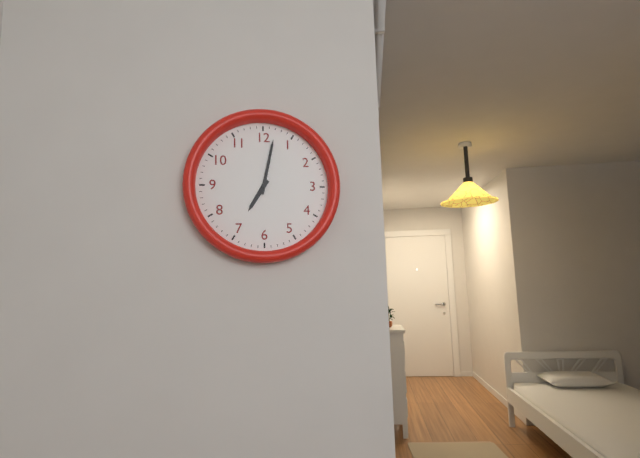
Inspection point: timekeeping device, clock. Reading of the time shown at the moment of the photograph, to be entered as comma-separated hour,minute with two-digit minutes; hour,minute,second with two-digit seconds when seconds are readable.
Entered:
7,02
